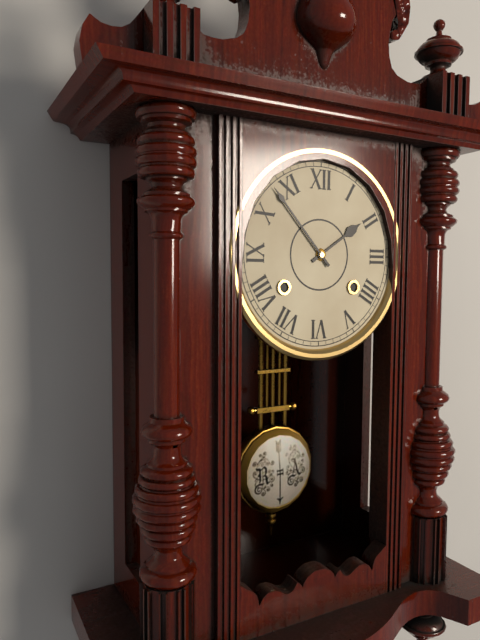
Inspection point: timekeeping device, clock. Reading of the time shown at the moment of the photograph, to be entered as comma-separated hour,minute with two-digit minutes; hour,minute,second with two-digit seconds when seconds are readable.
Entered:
1,53
